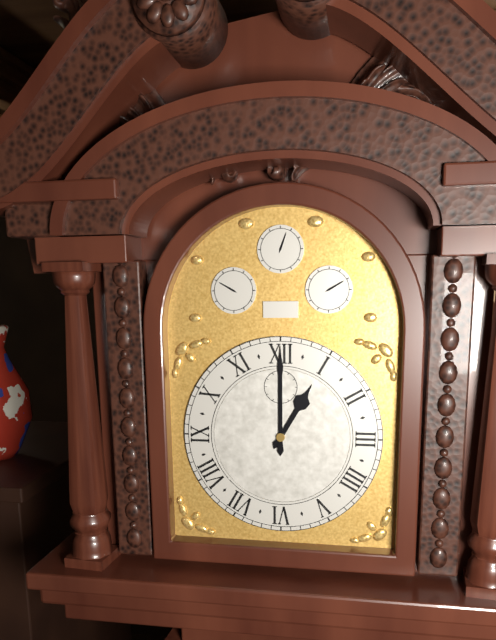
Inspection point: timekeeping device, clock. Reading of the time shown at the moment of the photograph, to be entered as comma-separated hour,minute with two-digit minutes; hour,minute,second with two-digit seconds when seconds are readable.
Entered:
1,00
